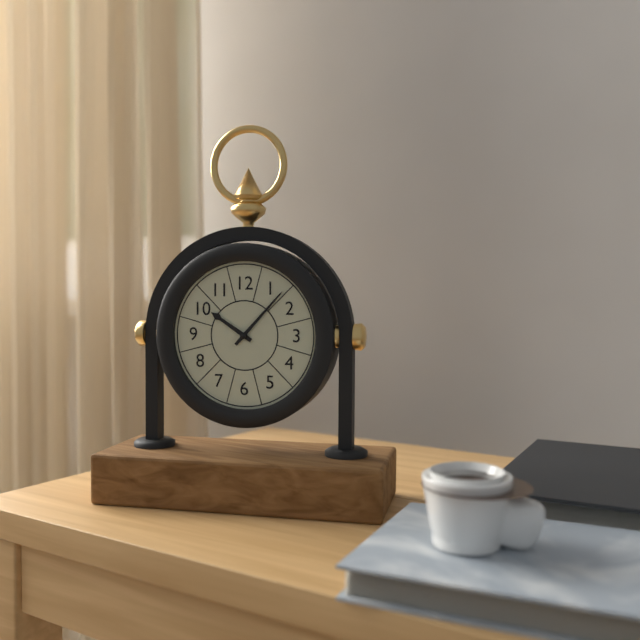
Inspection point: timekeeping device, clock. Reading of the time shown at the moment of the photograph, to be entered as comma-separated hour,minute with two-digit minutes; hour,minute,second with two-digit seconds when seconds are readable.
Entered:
10,07
